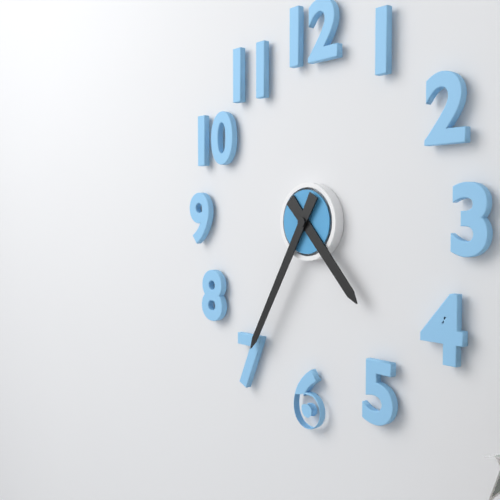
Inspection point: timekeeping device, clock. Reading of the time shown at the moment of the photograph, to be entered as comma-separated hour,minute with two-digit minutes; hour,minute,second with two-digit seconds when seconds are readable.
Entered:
4,35
